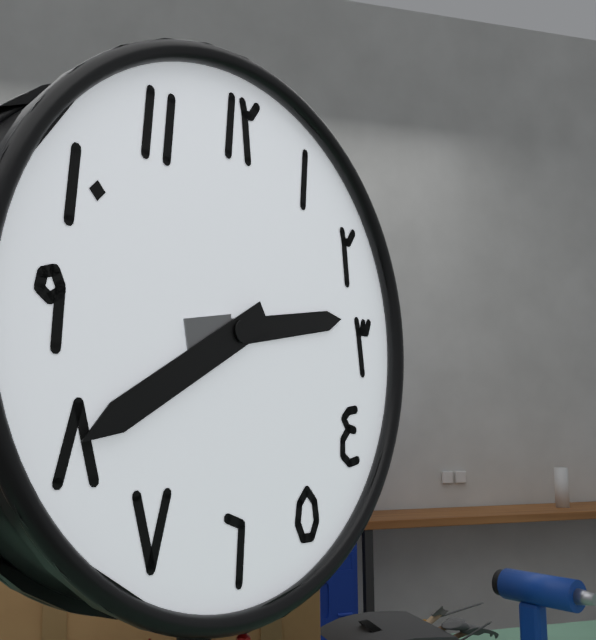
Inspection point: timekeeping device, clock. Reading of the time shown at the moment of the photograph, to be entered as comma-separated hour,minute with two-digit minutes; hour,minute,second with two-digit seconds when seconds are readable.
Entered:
2,40
